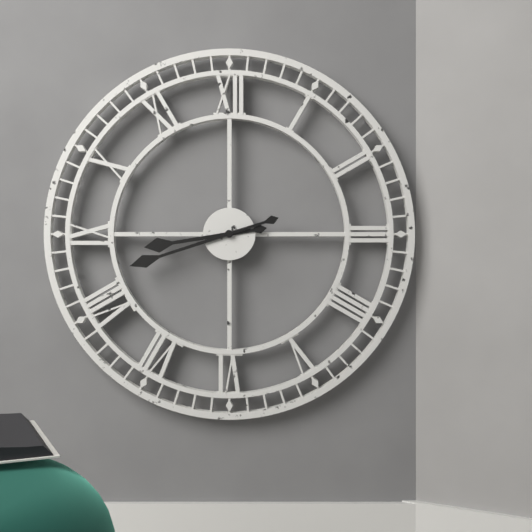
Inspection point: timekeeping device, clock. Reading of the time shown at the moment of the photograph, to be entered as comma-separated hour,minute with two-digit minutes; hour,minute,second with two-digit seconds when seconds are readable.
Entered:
8,42
